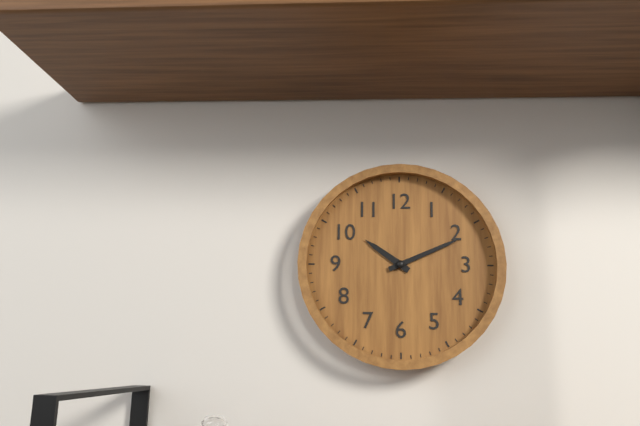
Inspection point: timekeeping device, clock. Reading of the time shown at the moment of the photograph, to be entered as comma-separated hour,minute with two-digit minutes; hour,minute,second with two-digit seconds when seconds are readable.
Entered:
10,11
